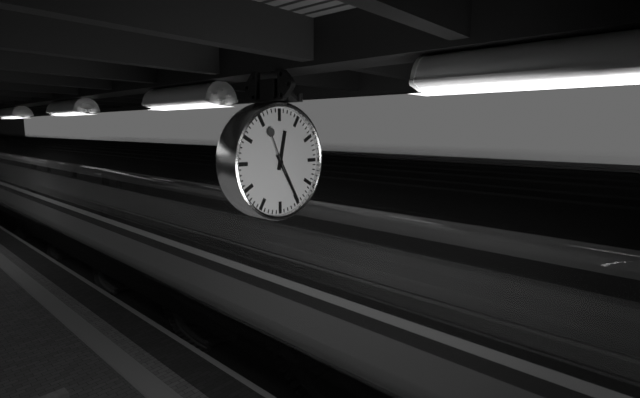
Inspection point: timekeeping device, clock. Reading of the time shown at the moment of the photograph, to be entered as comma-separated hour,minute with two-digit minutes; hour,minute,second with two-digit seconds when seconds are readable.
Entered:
12,25
